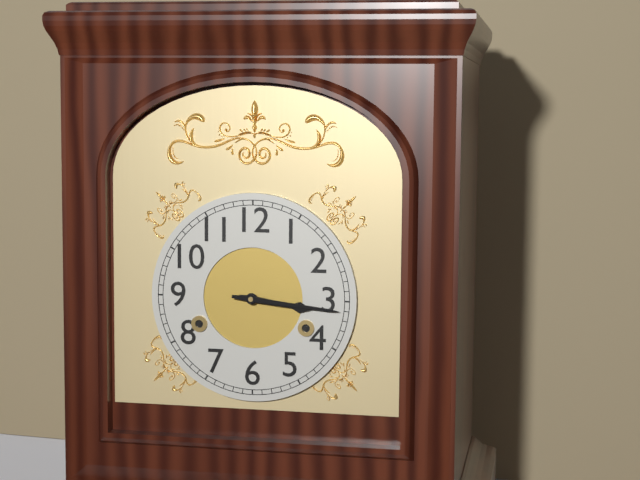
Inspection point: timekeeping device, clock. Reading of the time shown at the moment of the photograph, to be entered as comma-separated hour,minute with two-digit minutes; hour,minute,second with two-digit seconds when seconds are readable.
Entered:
3,16
